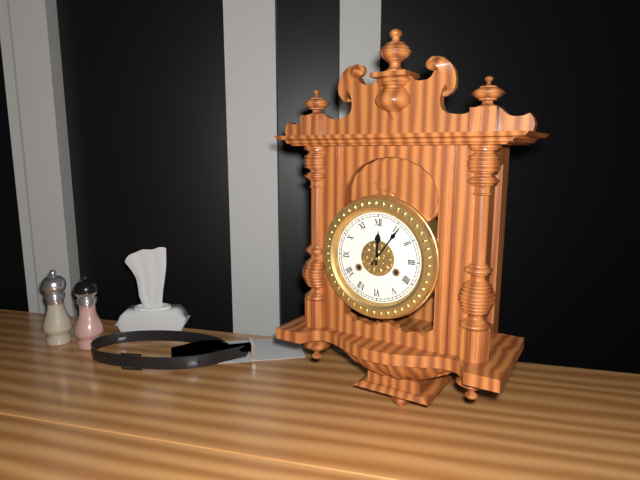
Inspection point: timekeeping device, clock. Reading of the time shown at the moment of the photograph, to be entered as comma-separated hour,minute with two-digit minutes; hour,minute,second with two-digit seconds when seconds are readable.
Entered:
12,06
